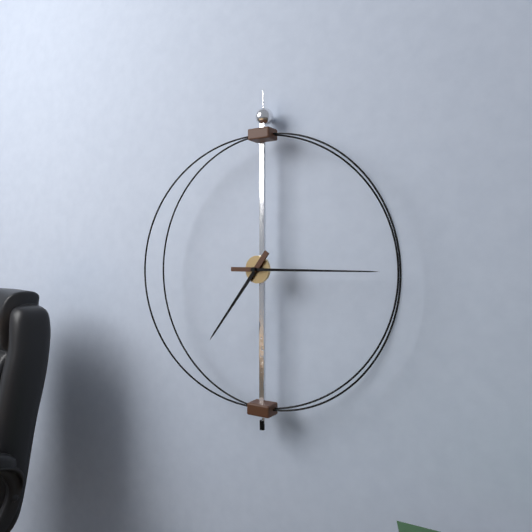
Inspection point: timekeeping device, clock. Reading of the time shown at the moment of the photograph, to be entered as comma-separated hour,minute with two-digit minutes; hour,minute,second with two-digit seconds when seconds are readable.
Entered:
7,15
